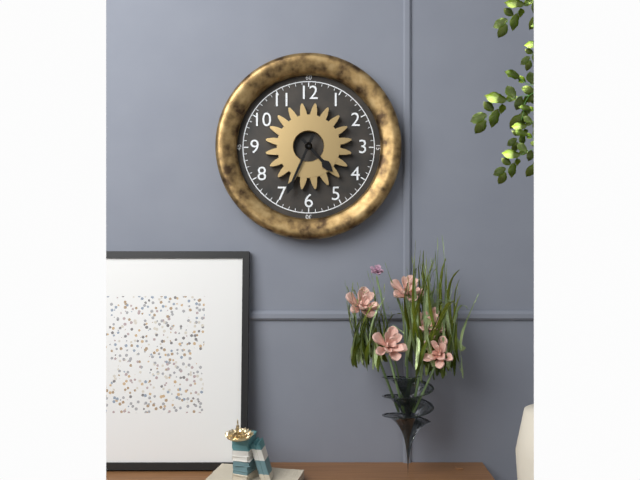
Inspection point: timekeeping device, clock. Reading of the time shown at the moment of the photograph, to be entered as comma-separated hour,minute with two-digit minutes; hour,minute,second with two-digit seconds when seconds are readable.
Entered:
4,34
